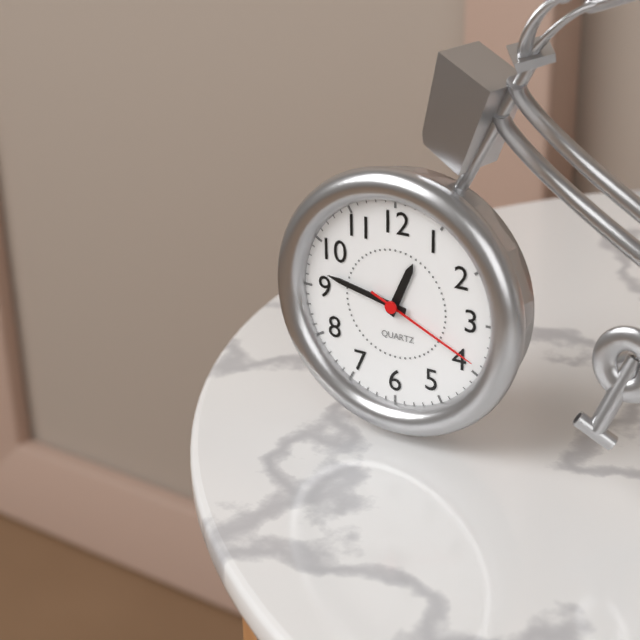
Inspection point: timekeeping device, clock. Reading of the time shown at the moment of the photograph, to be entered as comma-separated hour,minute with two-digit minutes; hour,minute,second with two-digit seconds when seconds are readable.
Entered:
12,47,19
